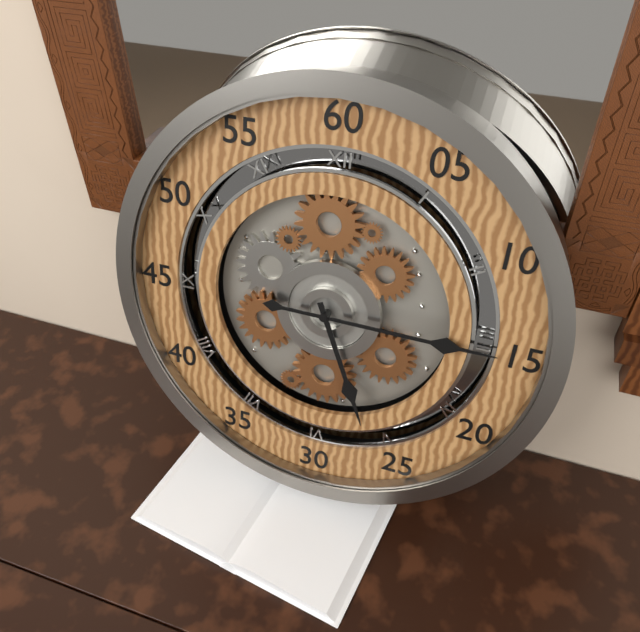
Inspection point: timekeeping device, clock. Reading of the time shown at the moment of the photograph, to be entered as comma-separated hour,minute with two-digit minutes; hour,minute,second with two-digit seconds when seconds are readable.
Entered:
5,15
